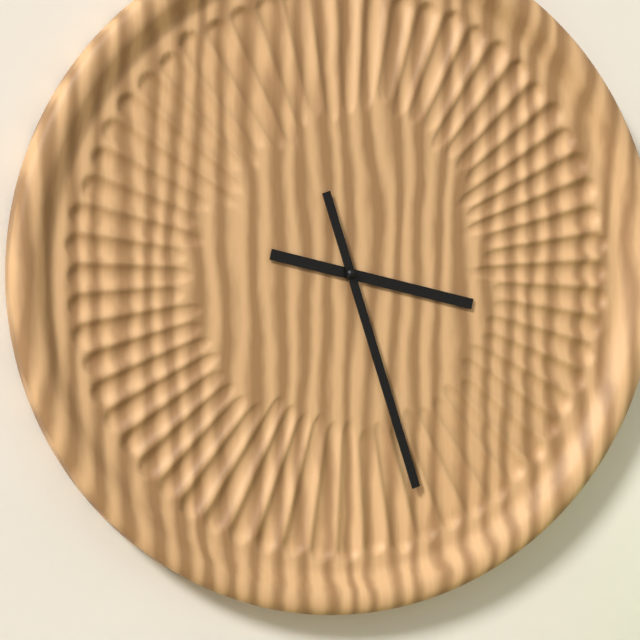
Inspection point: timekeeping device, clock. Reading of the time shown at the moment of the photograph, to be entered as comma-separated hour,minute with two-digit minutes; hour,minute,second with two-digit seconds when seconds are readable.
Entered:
3,27
